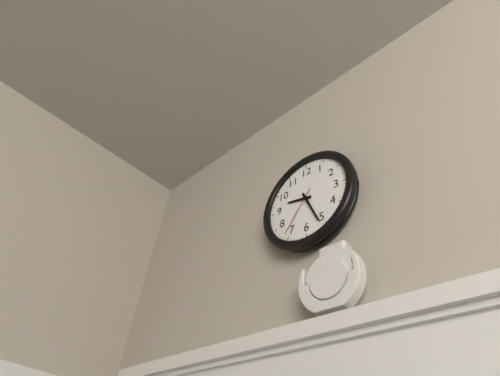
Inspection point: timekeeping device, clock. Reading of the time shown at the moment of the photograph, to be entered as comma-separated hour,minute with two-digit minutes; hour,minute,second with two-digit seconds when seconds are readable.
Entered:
9,26,36
